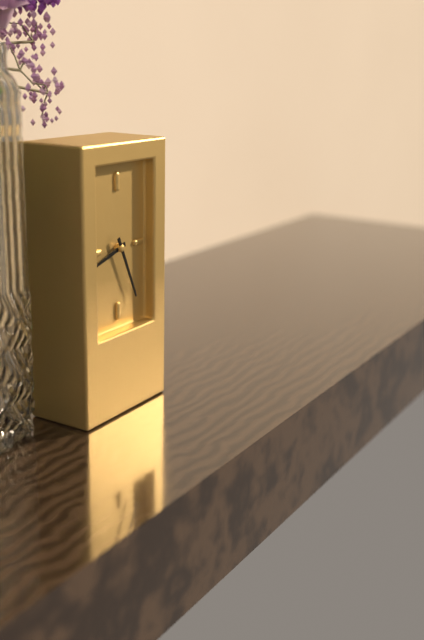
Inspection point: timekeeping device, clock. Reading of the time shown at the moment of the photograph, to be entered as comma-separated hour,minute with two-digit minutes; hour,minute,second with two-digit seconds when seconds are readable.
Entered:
8,26
